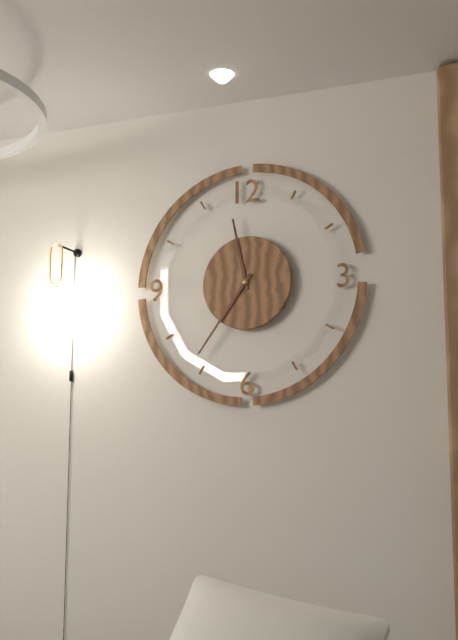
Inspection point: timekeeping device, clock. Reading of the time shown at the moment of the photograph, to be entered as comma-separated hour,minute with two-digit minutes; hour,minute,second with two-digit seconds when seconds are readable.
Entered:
11,36
